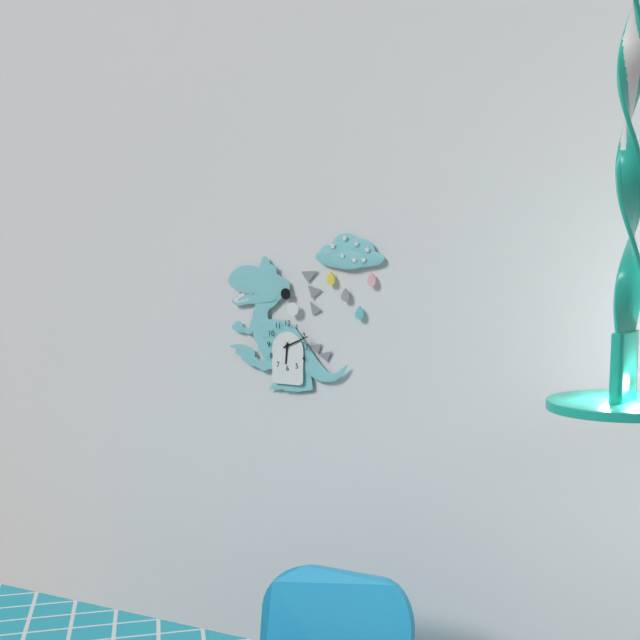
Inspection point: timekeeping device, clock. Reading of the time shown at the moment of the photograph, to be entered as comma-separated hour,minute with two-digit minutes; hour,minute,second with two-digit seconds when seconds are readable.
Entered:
6,11
